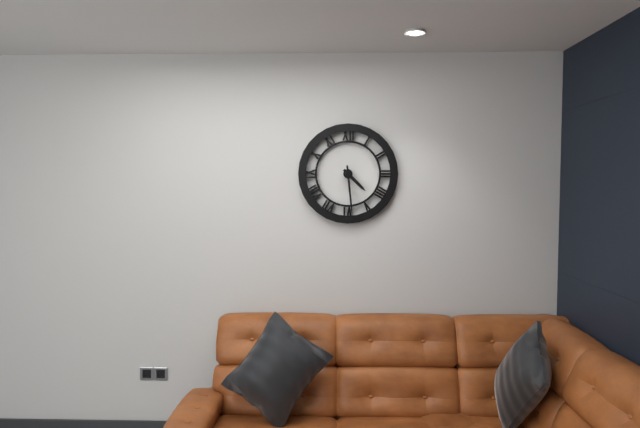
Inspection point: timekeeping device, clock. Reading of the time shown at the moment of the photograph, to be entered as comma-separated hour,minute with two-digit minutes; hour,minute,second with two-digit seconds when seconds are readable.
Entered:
4,29
